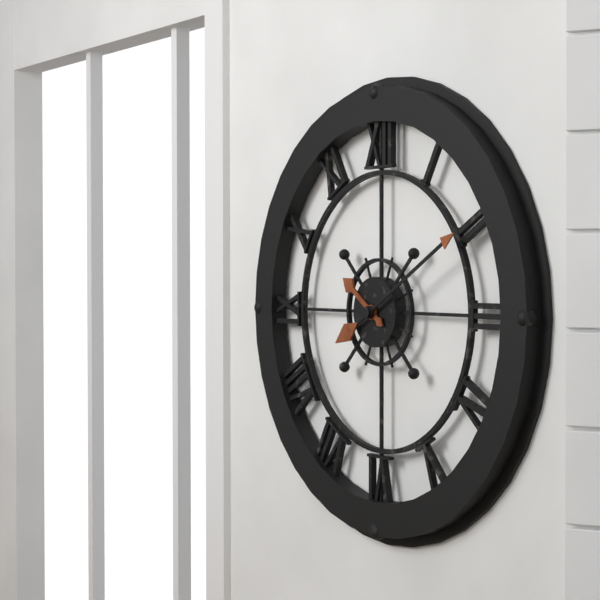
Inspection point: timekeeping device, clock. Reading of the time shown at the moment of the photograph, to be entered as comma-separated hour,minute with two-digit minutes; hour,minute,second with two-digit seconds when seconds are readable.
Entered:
10,10
